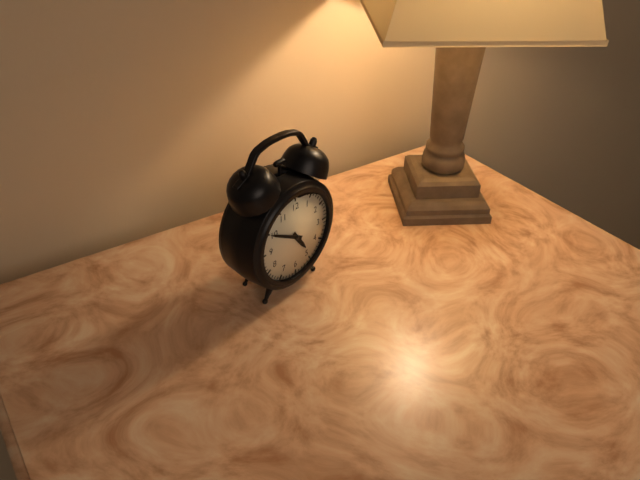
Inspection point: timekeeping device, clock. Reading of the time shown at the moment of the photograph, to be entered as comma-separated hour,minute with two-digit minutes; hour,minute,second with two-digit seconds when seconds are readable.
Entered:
4,50
